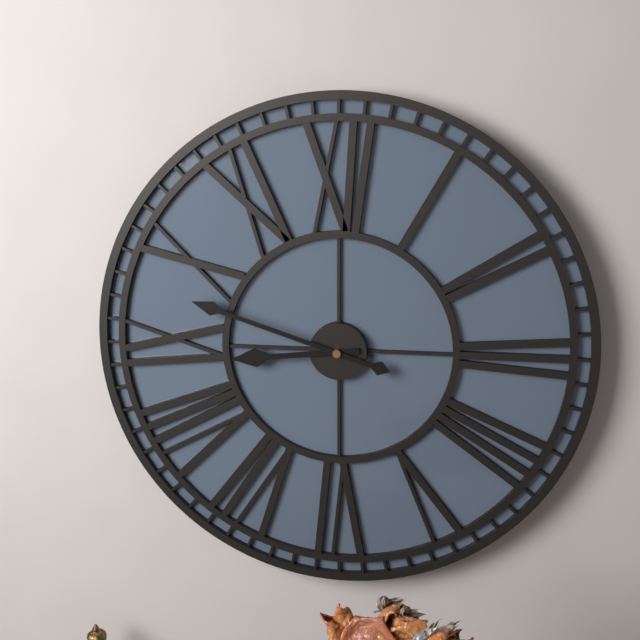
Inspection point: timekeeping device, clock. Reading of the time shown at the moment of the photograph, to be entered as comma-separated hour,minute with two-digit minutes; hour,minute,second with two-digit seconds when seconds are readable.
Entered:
8,48
